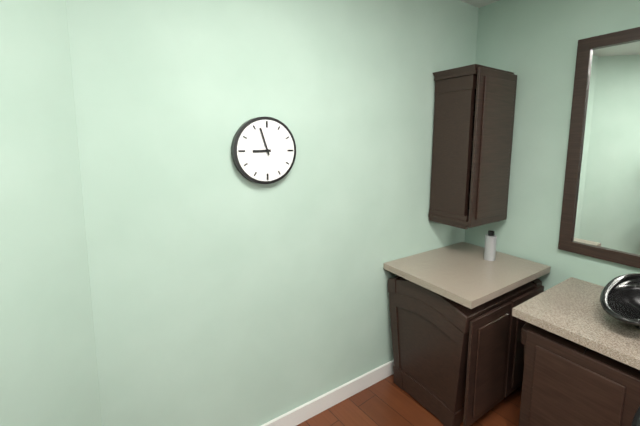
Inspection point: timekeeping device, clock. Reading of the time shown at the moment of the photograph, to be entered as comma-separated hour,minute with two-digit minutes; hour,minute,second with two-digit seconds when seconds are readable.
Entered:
8,57
